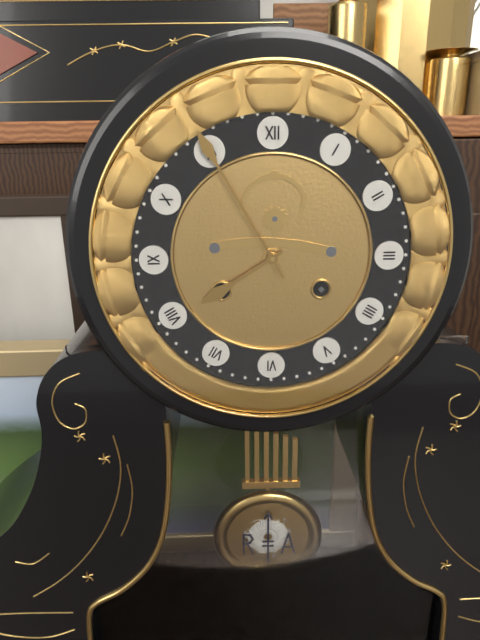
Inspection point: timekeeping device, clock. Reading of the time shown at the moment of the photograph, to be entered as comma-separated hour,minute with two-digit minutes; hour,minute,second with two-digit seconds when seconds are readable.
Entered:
7,55
